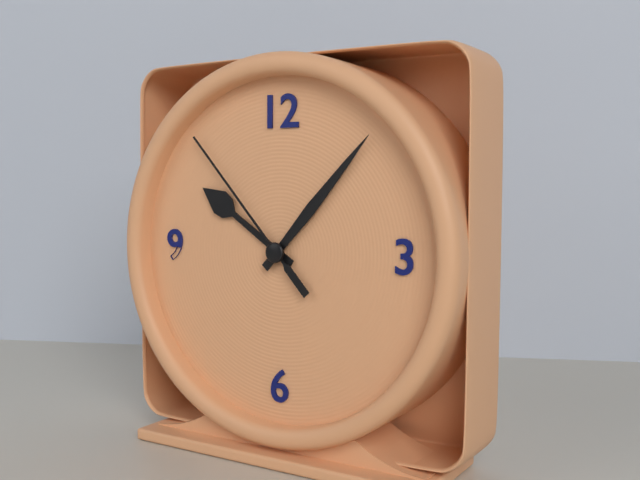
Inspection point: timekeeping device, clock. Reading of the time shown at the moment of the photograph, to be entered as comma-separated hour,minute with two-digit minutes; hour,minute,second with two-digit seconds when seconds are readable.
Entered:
10,07,53
